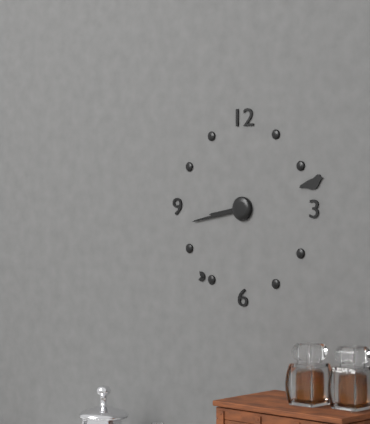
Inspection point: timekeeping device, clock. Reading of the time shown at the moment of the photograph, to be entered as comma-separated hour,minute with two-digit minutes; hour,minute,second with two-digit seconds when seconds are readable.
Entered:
8,43
